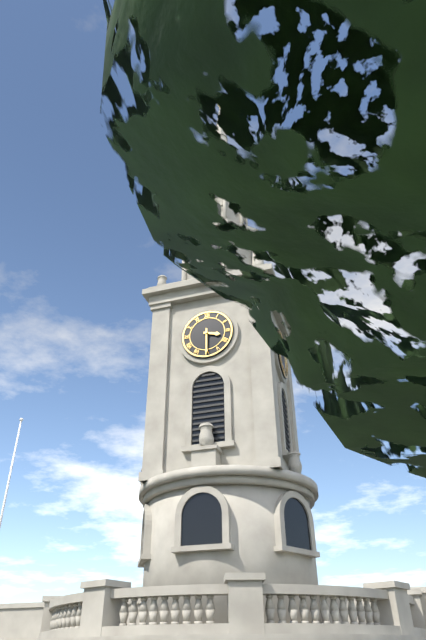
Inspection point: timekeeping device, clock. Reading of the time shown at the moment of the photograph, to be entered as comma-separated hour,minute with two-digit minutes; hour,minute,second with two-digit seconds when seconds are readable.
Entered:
3,30
